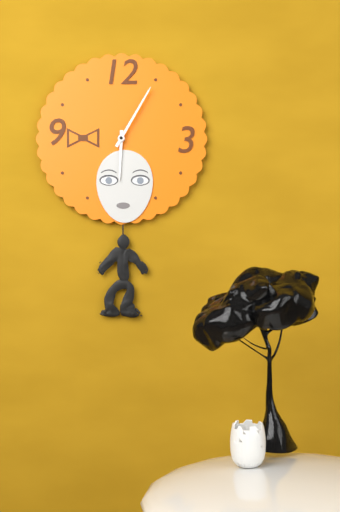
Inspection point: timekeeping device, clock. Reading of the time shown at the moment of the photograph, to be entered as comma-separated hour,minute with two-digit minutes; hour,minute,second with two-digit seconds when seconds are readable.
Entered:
6,05
